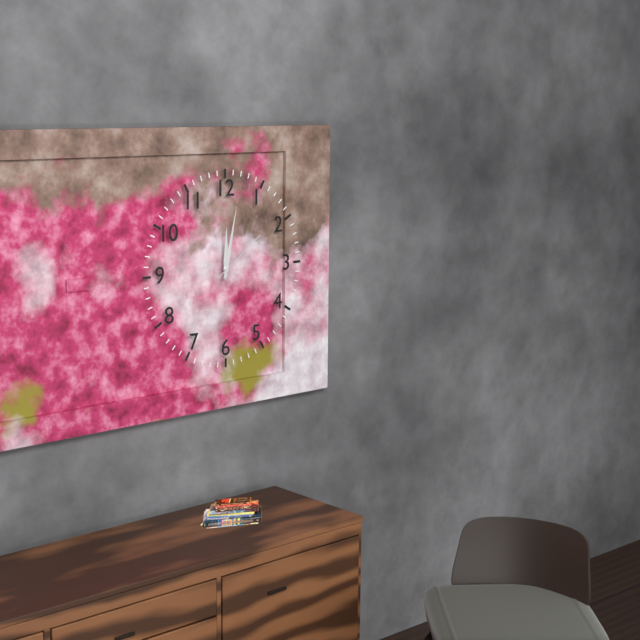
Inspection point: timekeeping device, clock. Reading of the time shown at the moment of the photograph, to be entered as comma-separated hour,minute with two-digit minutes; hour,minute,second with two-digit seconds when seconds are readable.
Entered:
12,02,09
